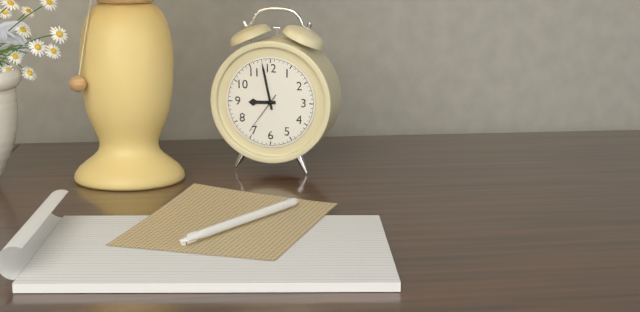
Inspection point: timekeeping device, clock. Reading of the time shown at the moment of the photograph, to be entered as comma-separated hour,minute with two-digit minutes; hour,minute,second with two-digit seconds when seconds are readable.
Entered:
8,58
